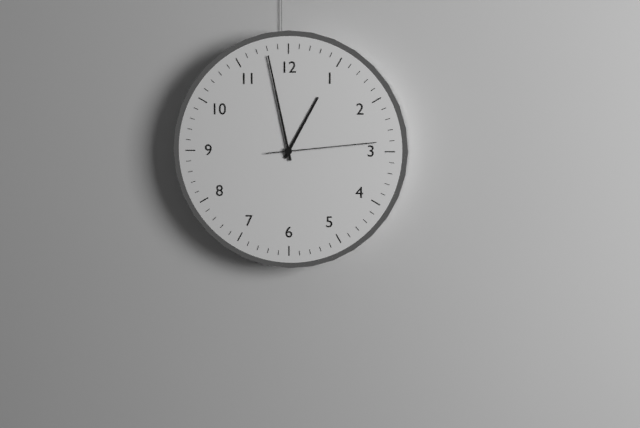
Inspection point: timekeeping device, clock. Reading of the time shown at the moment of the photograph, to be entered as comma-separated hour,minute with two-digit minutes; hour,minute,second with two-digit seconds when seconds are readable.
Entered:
12,58,14
